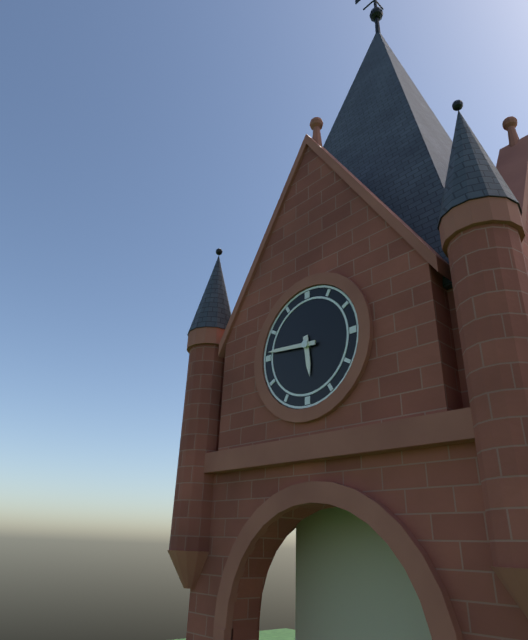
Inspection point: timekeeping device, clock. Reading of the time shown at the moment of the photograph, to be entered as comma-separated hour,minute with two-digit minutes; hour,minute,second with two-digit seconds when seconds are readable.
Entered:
5,46
